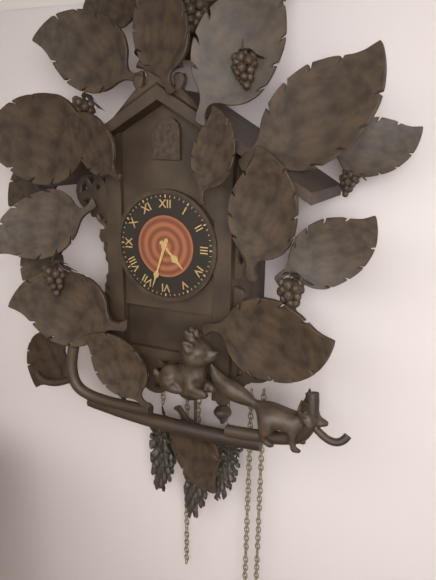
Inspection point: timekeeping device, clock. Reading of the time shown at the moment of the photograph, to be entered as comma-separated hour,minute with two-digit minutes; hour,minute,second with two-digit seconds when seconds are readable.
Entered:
4,33
